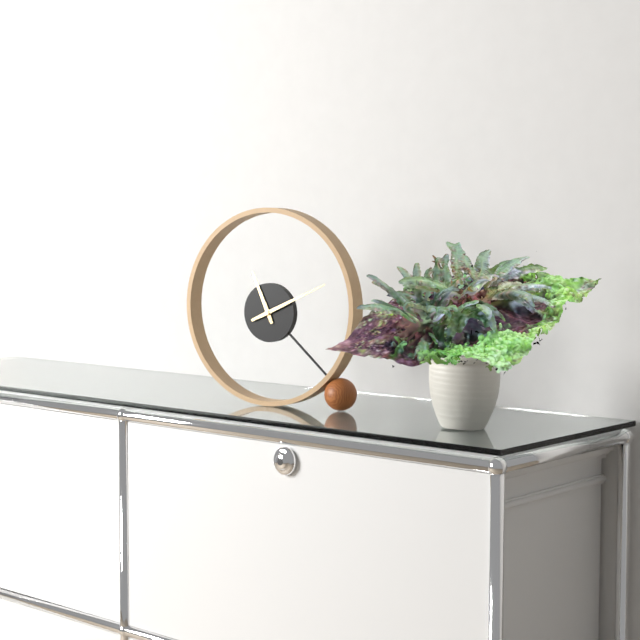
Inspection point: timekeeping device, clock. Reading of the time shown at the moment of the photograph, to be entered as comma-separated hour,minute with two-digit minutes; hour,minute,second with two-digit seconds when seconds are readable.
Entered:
11,11
